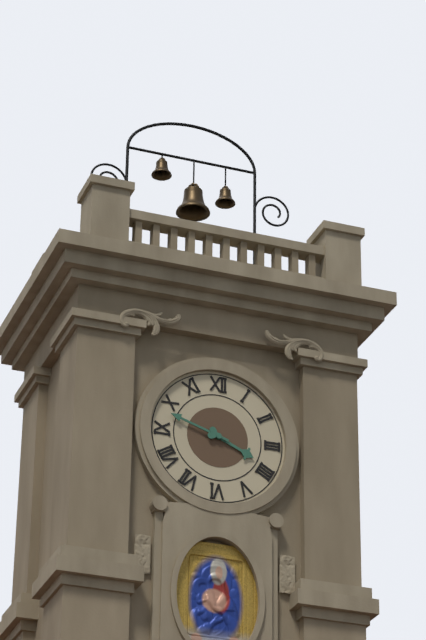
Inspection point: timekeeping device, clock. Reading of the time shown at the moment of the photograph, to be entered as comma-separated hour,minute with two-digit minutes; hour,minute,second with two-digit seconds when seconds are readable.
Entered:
3,48
